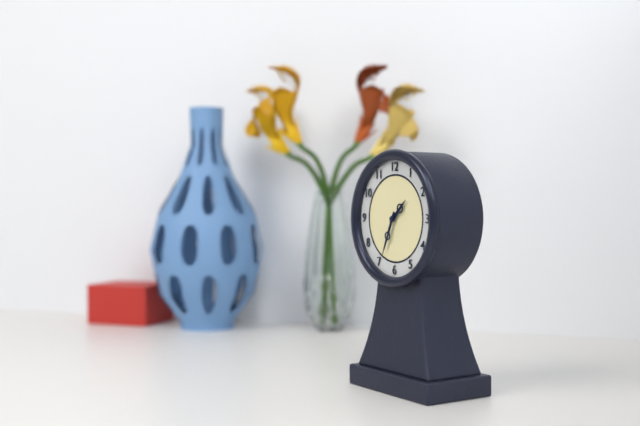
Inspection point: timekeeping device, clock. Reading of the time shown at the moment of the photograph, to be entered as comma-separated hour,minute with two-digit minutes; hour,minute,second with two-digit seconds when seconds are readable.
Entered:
1,34
